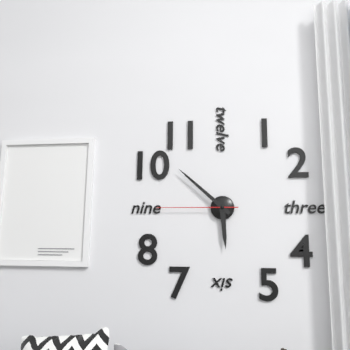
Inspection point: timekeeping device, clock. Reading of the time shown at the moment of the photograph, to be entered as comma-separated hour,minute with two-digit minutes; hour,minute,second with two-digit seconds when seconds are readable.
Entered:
5,52,45
